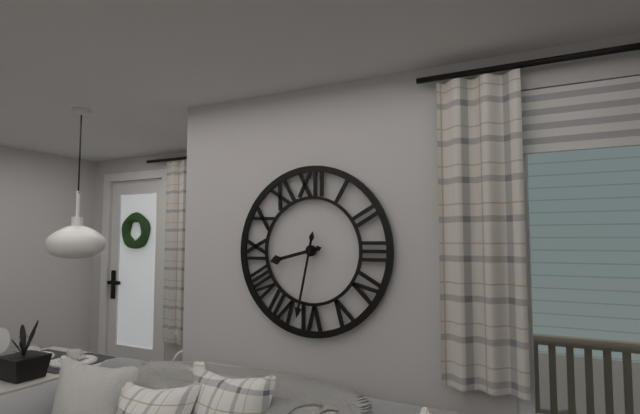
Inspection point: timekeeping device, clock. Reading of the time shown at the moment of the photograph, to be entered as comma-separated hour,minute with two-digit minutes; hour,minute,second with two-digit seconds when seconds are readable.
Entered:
8,32
